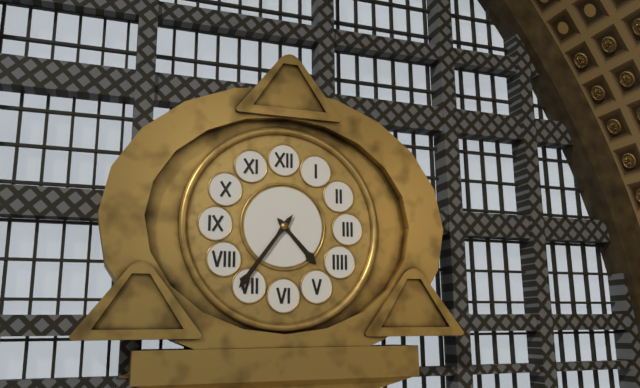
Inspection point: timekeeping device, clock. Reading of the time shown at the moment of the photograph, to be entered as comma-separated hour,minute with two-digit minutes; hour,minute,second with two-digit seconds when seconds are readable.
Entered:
4,36
